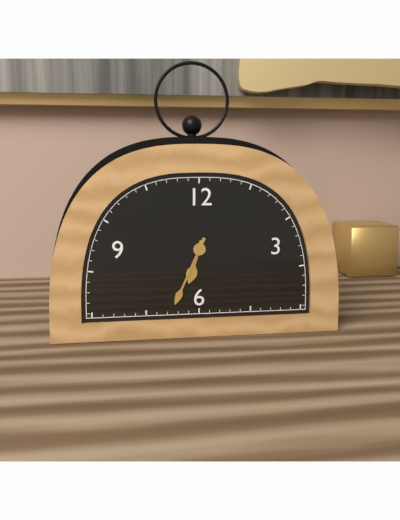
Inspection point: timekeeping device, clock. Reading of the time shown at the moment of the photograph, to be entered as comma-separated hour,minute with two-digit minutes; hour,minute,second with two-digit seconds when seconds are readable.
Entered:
6,34
